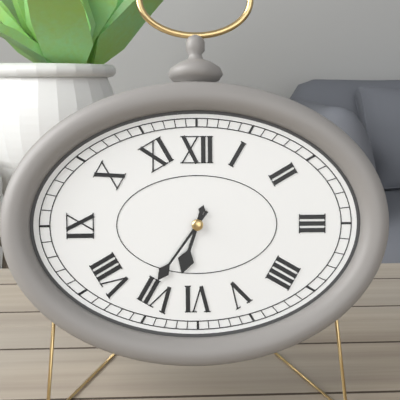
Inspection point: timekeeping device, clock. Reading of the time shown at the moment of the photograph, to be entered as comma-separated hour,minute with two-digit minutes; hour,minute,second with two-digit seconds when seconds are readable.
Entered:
6,36
